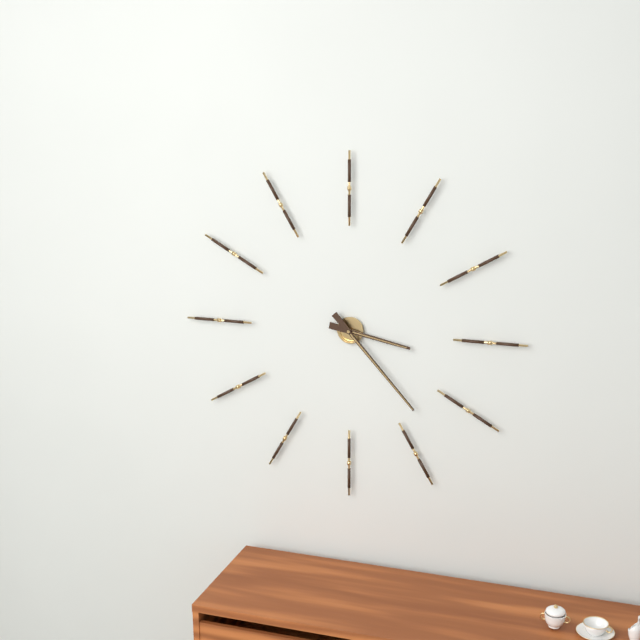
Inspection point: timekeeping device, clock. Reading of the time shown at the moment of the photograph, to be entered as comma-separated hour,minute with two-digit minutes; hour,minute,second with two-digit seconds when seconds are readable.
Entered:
3,23
